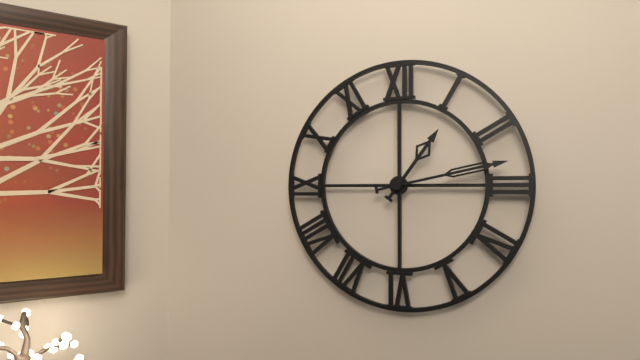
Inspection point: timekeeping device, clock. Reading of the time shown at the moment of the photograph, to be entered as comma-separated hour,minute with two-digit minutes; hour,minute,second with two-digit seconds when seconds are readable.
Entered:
1,13
